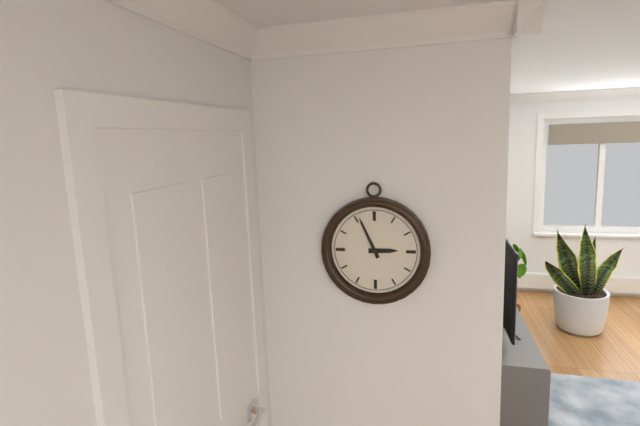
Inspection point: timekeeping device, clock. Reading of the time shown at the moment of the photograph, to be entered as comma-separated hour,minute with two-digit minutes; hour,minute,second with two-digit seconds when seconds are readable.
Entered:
2,56
